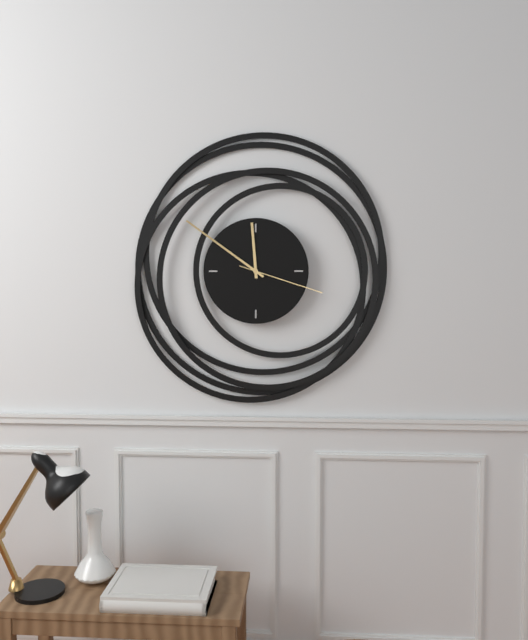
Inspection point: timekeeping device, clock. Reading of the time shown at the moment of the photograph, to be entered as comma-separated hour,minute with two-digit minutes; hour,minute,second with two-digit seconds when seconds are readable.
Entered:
11,51,18
